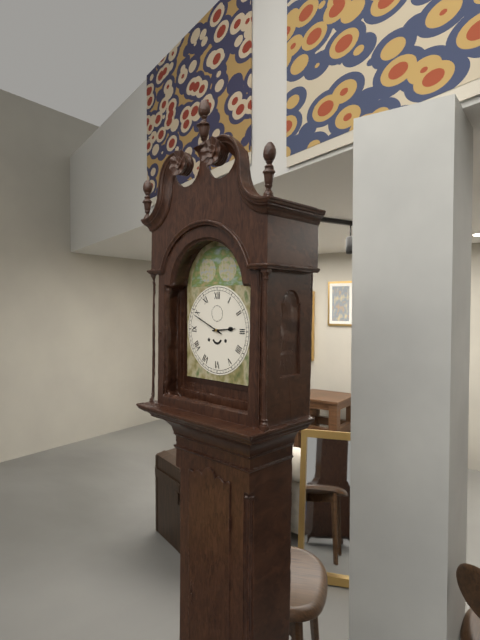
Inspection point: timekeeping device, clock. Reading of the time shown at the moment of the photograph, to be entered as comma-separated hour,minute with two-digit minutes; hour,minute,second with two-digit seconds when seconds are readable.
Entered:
2,49
